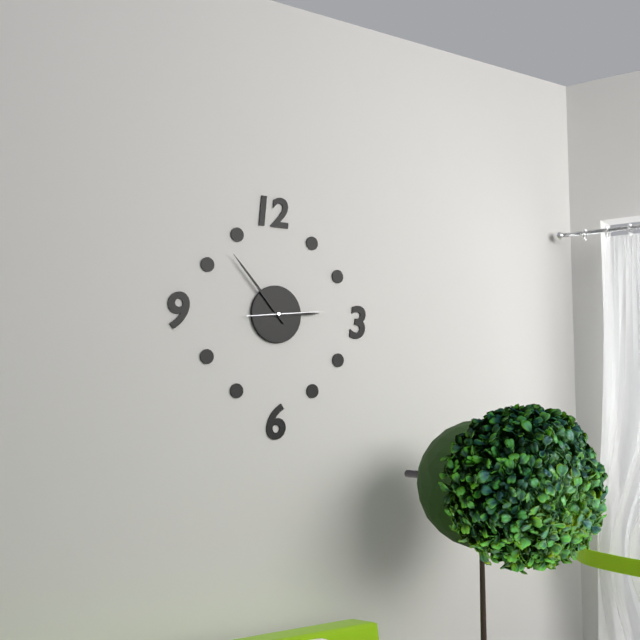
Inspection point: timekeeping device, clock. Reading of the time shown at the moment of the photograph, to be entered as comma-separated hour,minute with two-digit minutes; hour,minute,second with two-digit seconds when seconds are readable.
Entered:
2,53,14
